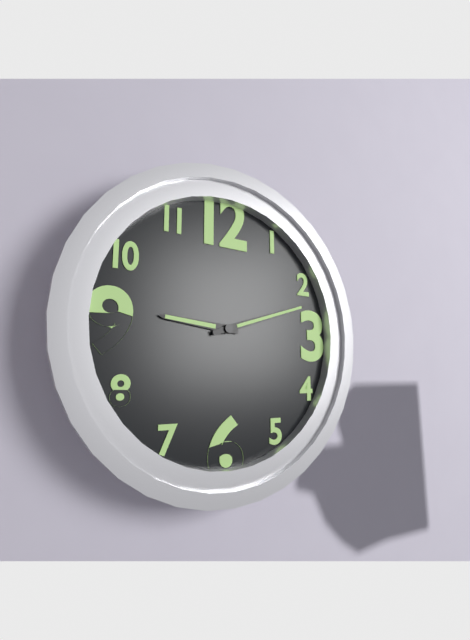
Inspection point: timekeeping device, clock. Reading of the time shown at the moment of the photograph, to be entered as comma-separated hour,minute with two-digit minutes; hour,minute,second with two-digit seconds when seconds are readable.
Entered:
9,12
